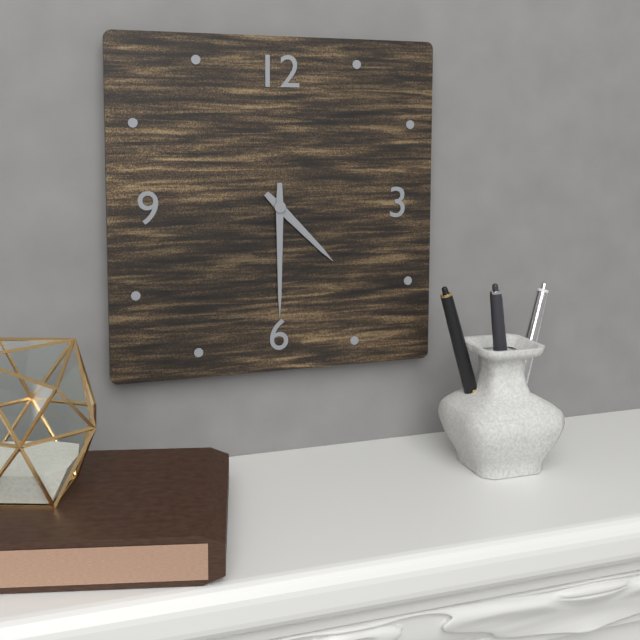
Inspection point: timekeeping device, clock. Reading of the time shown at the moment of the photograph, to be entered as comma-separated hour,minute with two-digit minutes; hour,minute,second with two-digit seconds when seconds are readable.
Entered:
4,30
